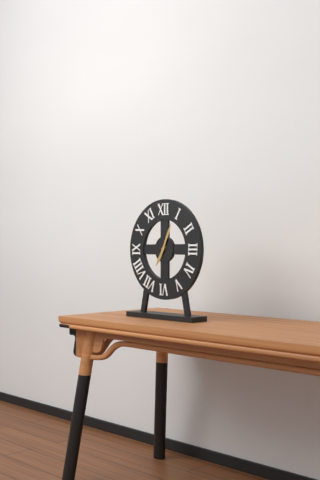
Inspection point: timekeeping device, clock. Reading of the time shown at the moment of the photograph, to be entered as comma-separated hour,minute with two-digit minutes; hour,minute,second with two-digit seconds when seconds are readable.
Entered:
7,04
